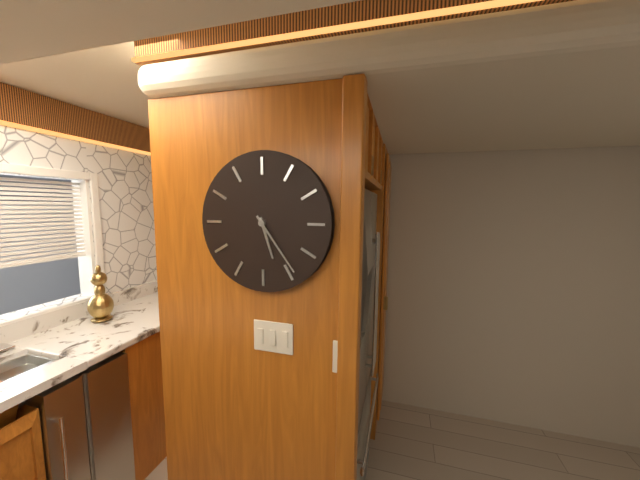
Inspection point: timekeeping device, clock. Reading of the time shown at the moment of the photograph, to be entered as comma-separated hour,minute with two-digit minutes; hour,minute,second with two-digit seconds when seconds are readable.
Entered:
5,24
